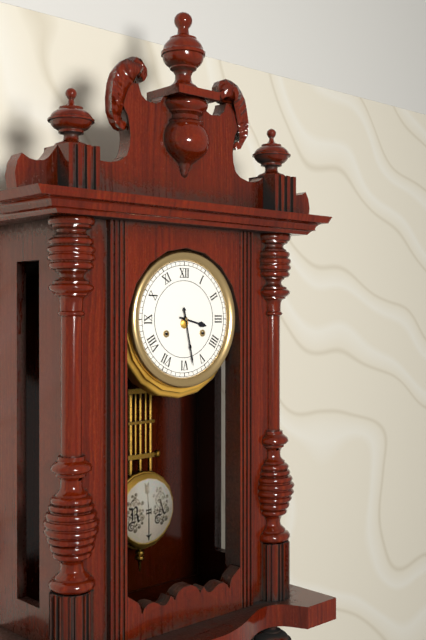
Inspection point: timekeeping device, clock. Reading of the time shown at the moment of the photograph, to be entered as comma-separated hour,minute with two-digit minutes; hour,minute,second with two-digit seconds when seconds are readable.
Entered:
3,28
